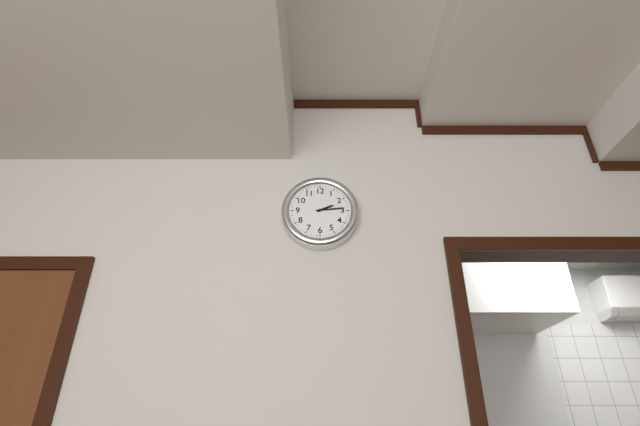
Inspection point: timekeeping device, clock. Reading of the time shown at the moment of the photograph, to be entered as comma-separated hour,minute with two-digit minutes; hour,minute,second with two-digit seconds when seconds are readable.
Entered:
2,14
